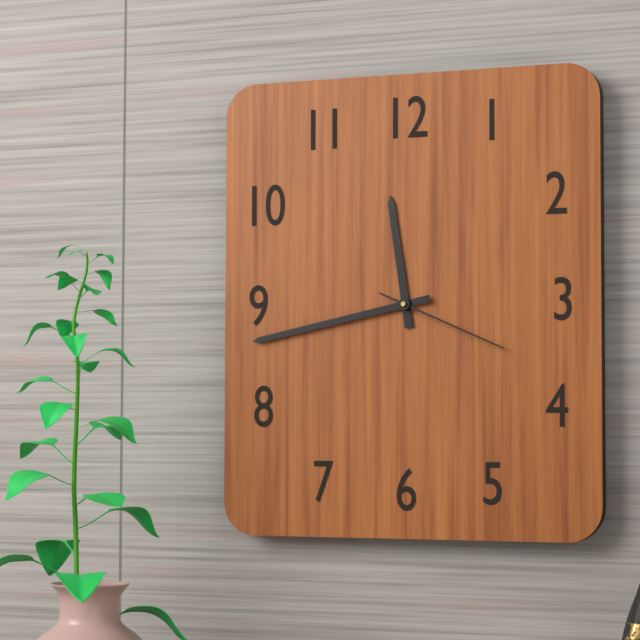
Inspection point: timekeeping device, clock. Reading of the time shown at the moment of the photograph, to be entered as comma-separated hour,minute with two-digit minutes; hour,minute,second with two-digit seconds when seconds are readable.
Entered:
11,43,19
